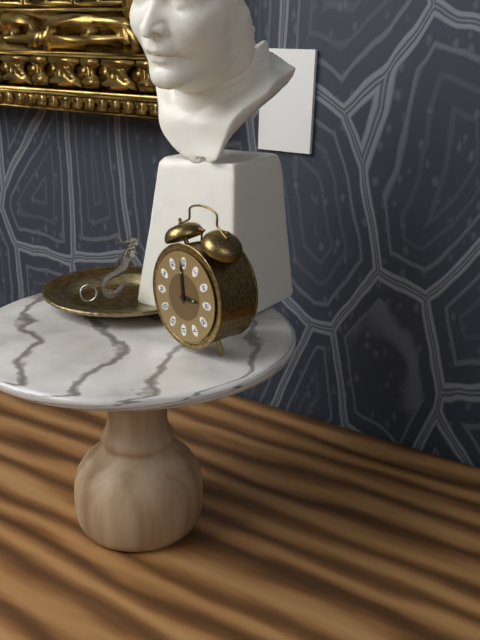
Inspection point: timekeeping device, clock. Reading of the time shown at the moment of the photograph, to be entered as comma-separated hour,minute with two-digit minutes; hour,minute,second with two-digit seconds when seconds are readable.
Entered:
2,59
